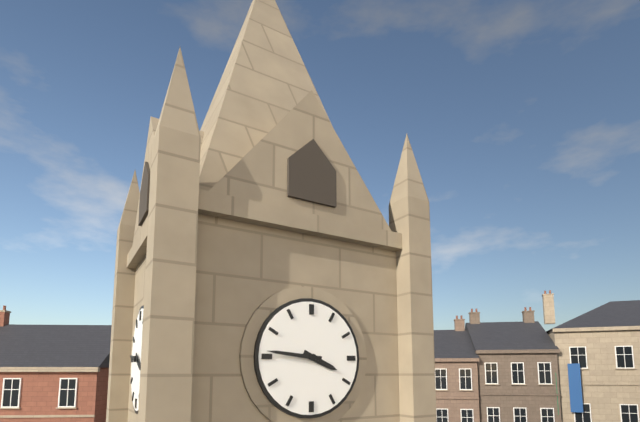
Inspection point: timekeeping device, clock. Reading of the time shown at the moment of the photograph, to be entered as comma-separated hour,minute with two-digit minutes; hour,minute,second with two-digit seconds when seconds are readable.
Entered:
3,46
